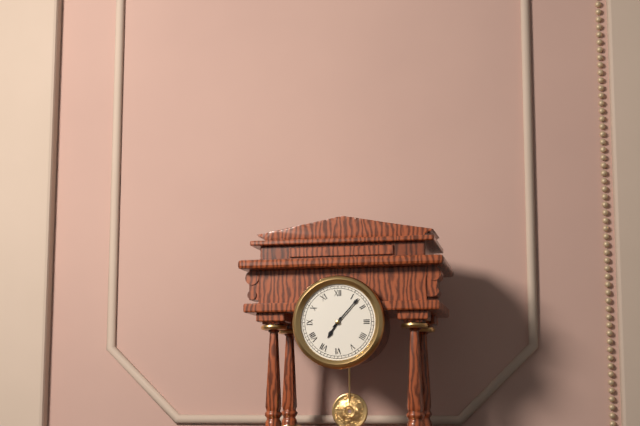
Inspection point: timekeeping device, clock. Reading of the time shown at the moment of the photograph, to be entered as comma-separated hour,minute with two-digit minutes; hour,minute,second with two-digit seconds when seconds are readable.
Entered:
7,07
